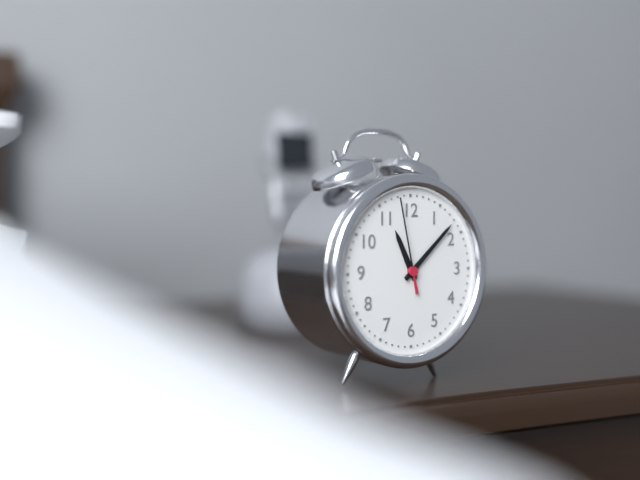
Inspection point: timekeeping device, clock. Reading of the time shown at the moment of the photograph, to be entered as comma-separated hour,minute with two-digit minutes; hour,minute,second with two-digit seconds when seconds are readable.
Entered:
11,08,58
